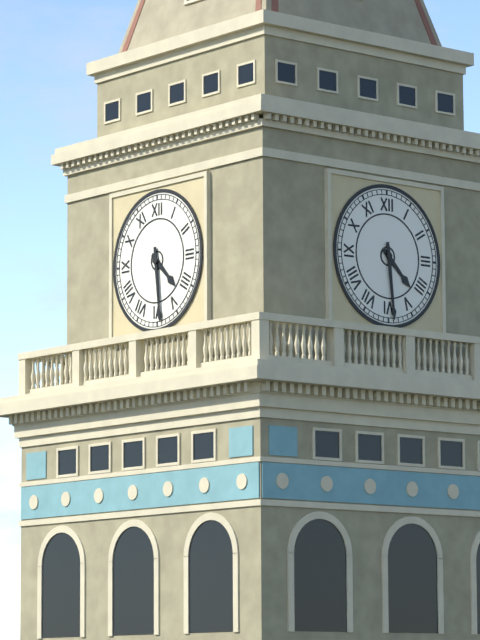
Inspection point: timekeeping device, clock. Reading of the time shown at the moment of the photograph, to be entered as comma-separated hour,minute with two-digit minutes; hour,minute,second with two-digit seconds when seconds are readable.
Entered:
4,29
